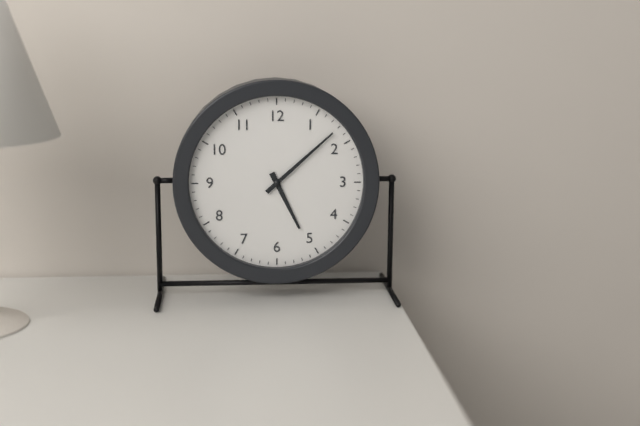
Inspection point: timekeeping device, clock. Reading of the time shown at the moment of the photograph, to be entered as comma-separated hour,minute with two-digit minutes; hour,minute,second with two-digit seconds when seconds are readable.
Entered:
5,08
